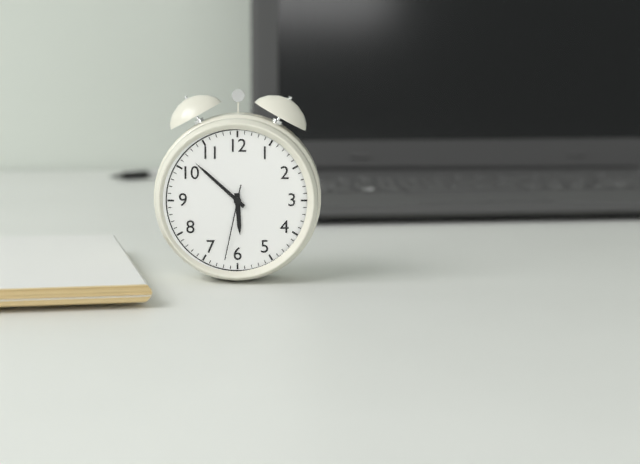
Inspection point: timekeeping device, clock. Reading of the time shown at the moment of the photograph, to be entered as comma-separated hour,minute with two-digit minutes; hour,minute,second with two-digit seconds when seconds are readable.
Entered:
5,52,32
